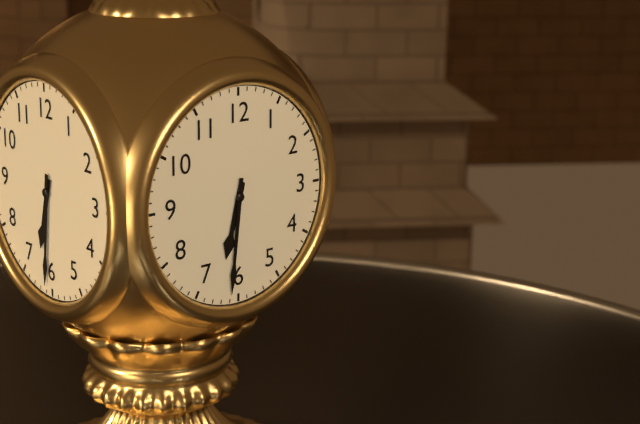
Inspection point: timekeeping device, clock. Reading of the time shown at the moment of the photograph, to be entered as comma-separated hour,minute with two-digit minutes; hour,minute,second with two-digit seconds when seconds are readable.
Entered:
6,31
